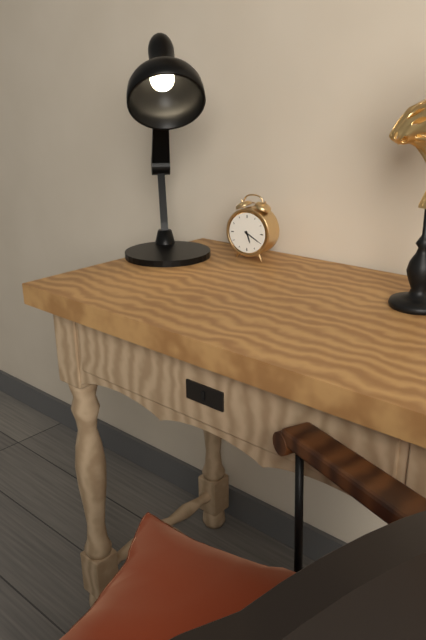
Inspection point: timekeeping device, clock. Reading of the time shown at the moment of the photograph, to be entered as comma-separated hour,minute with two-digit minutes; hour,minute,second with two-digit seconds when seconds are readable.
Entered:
5,20
